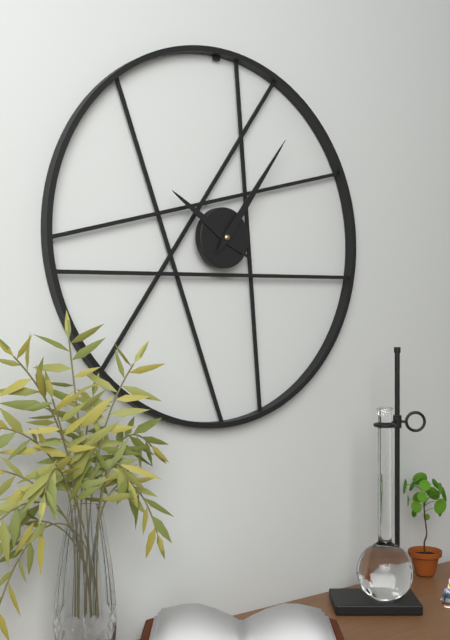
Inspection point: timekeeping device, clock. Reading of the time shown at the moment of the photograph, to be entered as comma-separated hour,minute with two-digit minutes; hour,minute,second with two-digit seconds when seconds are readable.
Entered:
10,06
